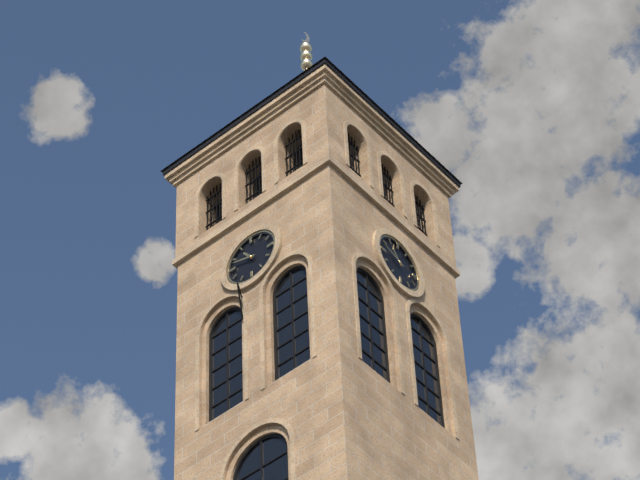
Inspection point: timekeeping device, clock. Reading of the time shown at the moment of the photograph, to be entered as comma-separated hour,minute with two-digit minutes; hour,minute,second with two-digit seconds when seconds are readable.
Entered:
10,48
